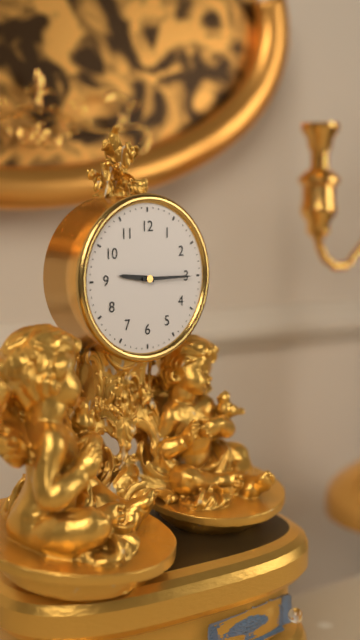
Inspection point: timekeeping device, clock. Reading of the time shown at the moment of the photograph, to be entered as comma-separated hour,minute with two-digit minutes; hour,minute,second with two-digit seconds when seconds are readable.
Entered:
9,15
